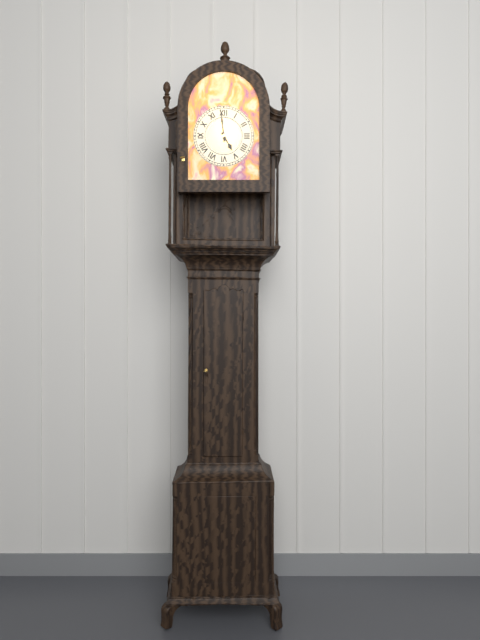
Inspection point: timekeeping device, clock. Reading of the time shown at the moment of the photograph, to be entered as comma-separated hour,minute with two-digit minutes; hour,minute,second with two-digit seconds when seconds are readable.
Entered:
4,59
